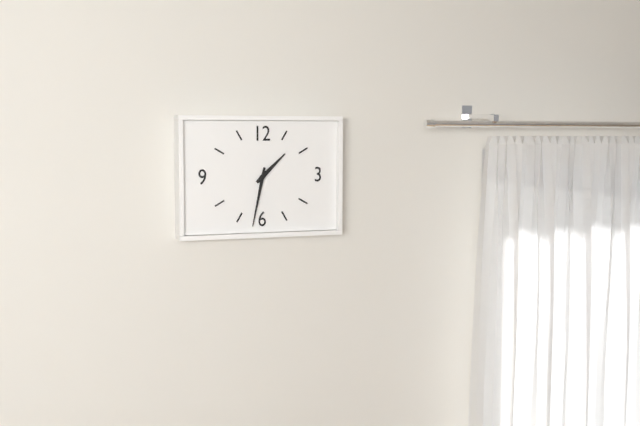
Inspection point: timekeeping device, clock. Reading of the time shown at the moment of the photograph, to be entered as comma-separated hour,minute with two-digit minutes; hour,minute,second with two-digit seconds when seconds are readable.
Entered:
1,32
